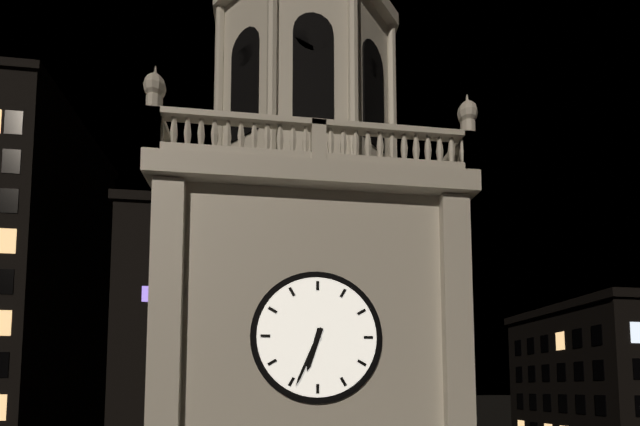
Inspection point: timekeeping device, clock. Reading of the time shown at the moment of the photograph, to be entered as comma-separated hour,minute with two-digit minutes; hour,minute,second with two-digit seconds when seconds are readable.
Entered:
6,34
